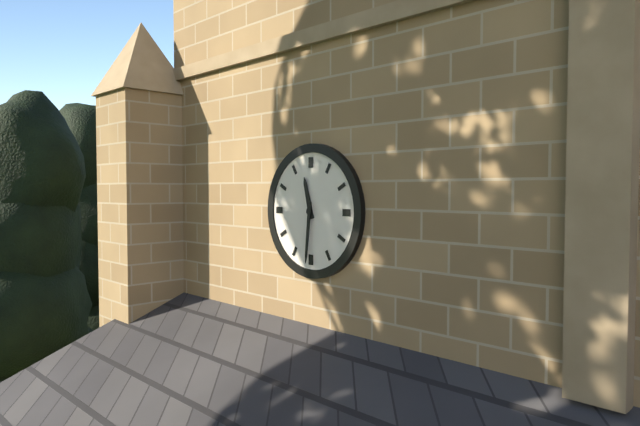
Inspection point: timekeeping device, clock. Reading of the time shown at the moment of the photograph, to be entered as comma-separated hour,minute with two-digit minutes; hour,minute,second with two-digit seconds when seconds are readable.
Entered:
11,31
